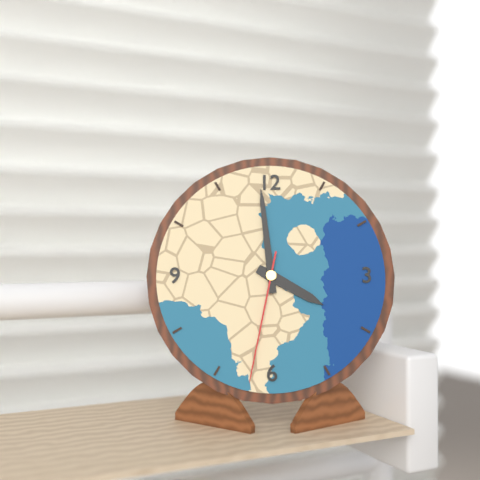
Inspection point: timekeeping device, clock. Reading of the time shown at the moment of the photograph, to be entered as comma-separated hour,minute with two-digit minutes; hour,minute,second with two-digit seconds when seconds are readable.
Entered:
3,59,32
